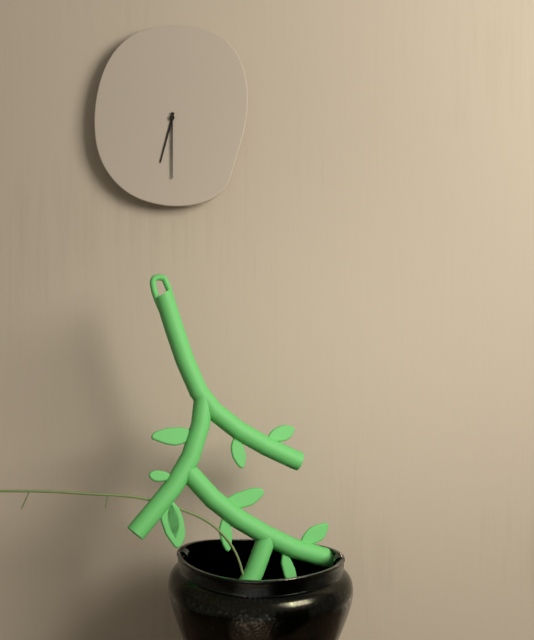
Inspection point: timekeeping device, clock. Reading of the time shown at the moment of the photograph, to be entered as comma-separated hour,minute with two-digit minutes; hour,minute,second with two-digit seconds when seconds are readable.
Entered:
6,30
